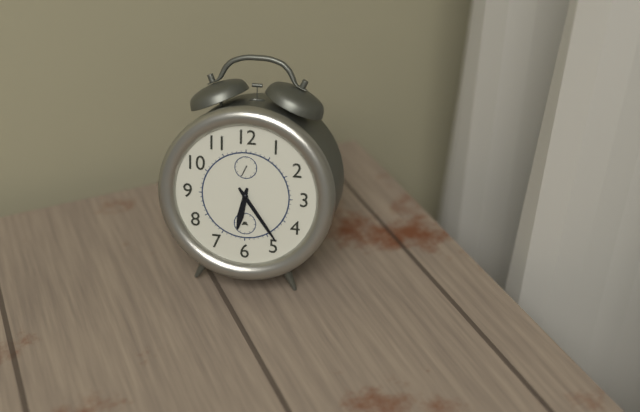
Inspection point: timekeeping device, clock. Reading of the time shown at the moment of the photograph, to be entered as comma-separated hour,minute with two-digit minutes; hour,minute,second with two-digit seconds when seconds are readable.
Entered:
6,24
